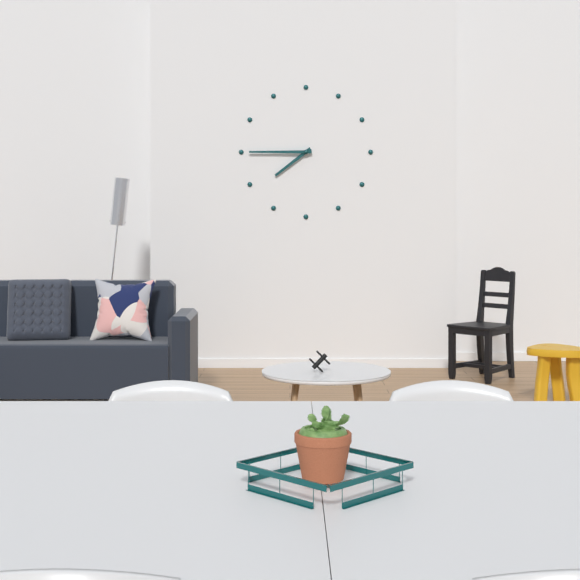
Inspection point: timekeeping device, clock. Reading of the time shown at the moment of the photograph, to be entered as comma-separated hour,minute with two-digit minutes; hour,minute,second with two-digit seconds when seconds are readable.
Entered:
7,45
